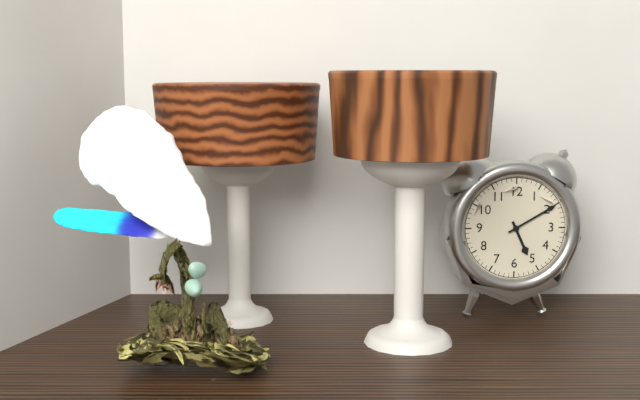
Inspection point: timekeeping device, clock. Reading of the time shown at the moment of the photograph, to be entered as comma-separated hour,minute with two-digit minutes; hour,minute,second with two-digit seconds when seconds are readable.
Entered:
5,10
